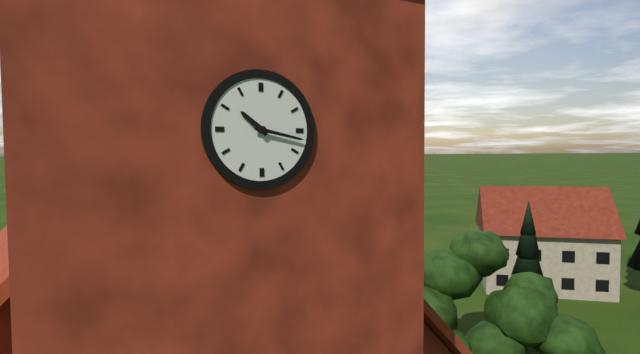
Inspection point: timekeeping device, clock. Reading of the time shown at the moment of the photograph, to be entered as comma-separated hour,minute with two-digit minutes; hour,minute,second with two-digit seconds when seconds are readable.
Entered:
10,17
